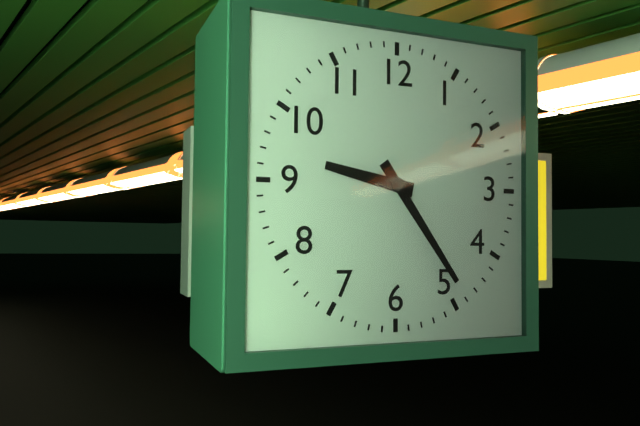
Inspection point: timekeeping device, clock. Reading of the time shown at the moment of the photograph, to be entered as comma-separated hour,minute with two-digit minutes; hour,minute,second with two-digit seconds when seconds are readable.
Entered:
9,24
